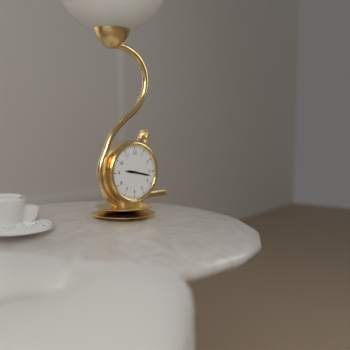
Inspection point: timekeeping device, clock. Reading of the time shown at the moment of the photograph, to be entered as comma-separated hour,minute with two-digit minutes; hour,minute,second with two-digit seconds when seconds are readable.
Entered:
9,17
